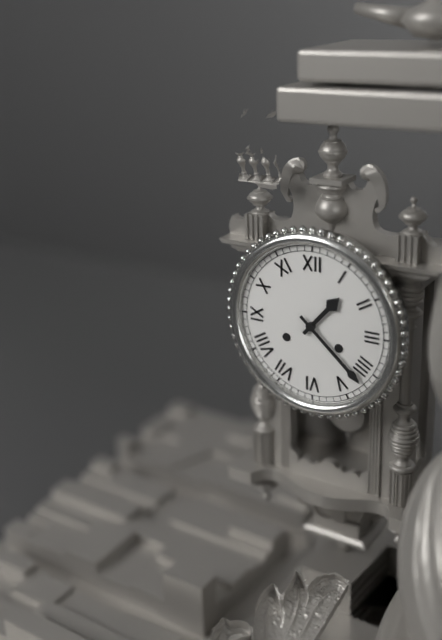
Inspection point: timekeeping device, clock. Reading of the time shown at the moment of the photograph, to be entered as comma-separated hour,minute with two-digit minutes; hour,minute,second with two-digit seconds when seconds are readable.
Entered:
1,22
